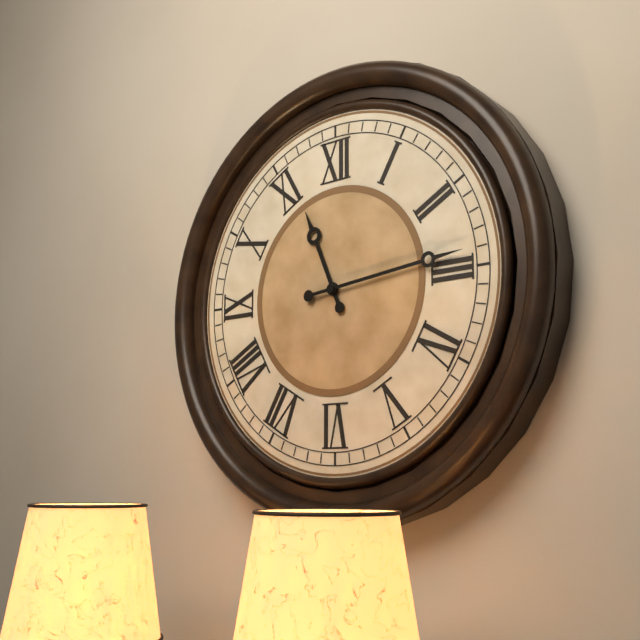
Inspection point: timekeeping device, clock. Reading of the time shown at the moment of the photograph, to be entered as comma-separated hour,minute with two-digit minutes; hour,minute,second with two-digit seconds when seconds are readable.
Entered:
11,14
